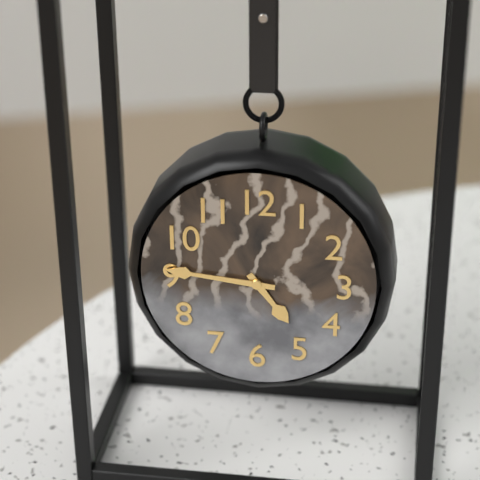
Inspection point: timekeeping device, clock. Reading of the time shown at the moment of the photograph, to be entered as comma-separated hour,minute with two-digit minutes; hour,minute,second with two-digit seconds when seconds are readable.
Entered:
4,46
